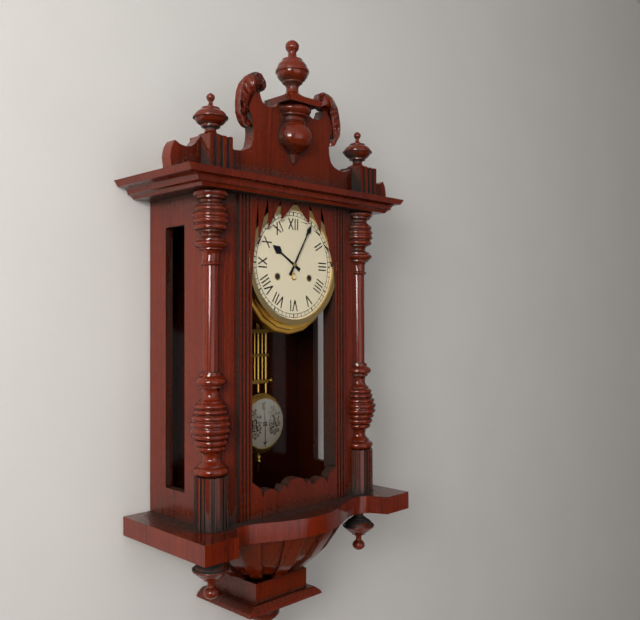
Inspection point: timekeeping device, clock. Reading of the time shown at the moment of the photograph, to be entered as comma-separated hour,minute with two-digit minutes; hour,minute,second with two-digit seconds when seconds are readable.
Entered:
10,05
